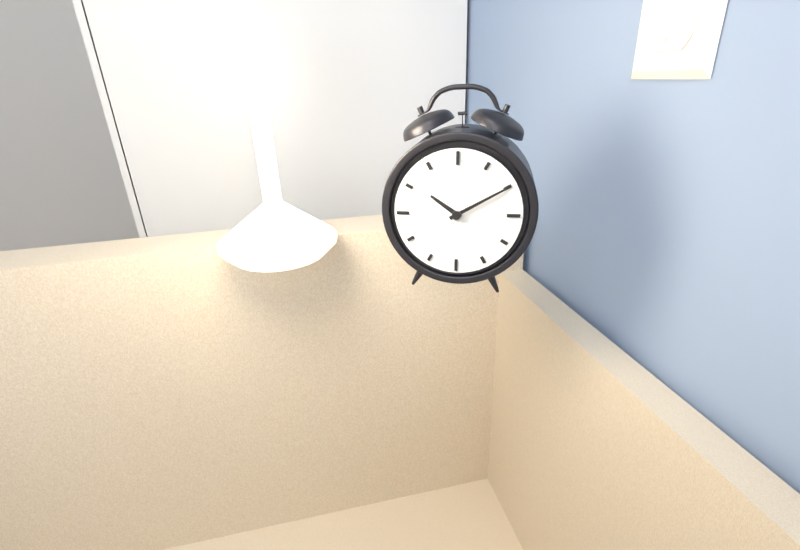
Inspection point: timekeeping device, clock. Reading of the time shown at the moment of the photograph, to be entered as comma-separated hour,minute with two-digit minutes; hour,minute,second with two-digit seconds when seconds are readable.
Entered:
10,10
